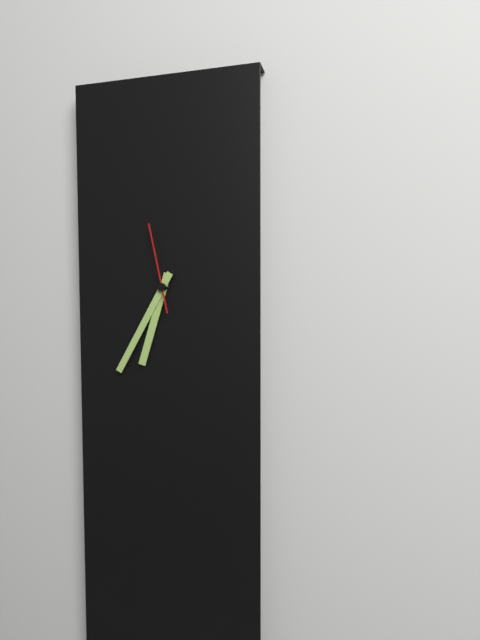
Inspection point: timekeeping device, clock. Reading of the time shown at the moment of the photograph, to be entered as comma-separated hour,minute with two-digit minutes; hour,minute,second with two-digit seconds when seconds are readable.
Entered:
6,35,58
